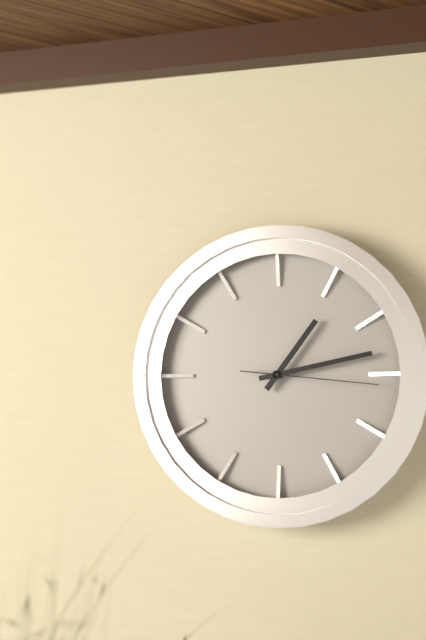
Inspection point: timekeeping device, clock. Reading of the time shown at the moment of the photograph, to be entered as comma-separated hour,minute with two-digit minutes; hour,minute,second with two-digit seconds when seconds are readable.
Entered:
1,13,16
